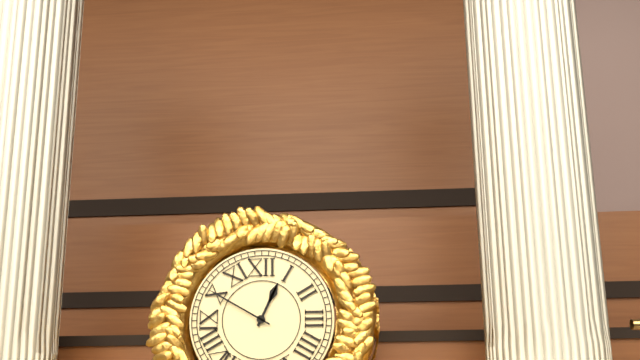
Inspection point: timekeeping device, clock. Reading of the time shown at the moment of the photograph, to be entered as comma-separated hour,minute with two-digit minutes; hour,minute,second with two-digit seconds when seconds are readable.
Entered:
12,50
